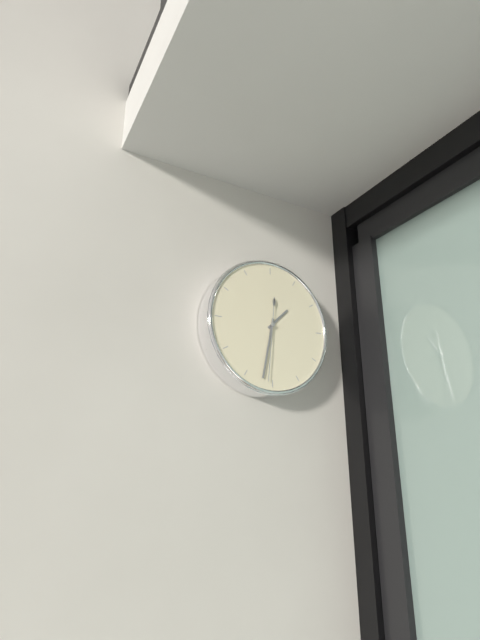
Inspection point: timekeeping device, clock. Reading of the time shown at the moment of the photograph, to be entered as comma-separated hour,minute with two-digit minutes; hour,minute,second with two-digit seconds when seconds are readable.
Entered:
1,32,31
